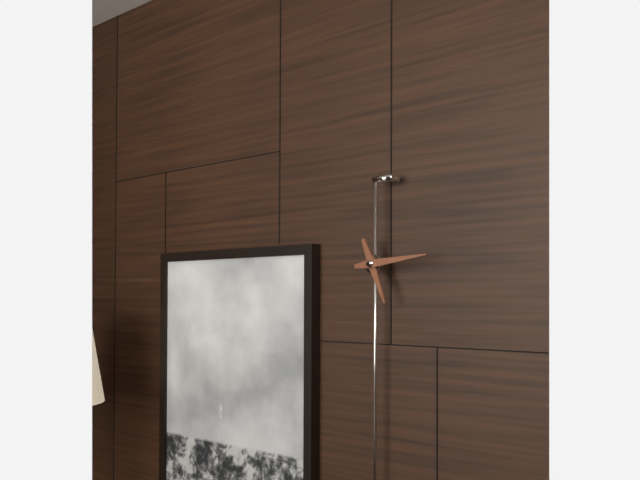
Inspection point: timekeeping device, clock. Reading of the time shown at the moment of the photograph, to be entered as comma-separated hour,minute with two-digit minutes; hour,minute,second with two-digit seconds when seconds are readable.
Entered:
5,14
